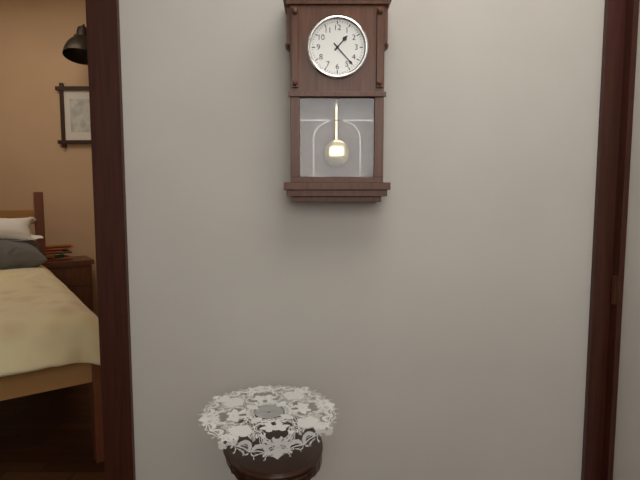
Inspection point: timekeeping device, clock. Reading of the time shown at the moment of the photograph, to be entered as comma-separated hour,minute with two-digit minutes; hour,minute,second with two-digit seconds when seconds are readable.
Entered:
1,23
